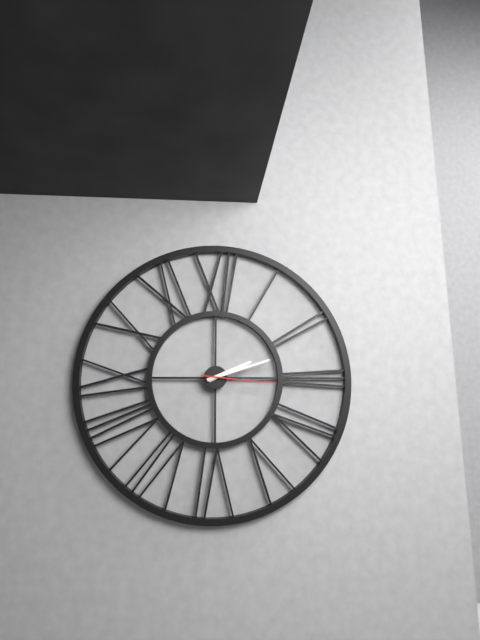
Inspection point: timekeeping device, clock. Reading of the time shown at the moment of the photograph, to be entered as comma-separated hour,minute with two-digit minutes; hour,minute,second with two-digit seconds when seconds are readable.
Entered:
2,12,16
